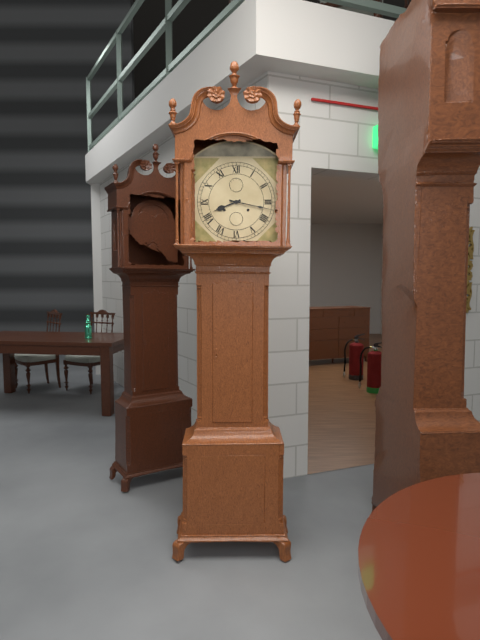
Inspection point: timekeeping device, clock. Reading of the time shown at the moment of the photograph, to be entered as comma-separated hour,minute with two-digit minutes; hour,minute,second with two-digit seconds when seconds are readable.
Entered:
8,17
